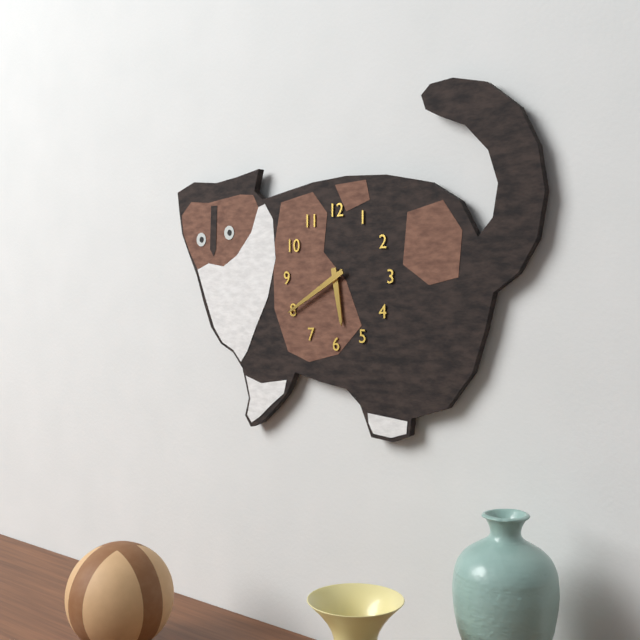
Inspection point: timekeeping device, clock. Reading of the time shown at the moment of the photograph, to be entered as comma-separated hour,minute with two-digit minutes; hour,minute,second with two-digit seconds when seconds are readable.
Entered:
5,40
